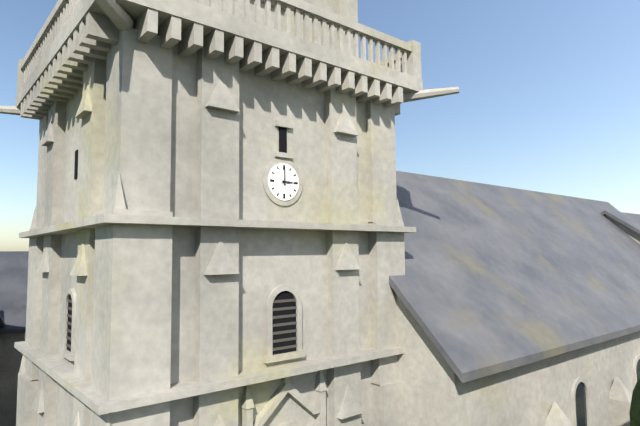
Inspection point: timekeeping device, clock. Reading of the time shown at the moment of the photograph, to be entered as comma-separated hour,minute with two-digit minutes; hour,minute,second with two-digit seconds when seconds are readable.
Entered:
3,00
